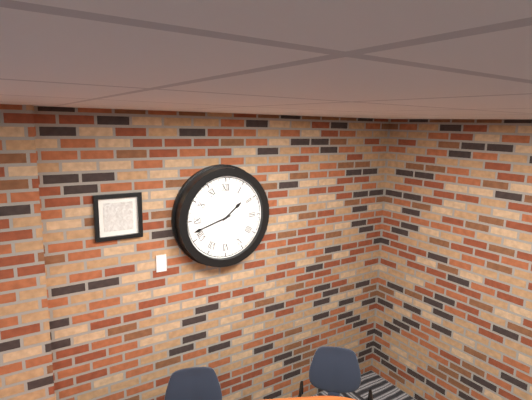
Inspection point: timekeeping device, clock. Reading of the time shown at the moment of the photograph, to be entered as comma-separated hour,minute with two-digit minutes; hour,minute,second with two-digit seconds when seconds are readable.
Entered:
1,42
